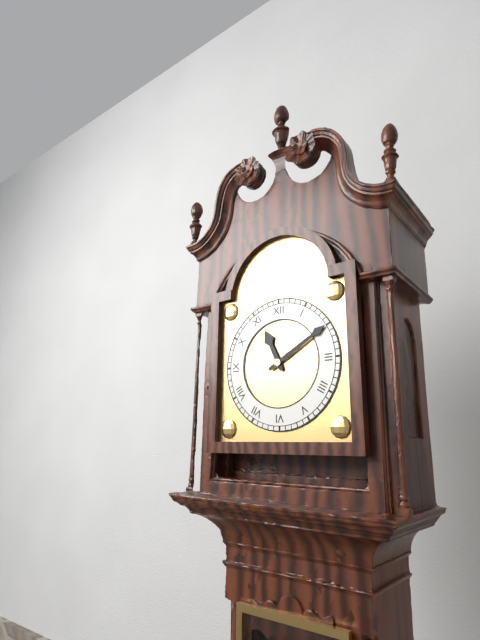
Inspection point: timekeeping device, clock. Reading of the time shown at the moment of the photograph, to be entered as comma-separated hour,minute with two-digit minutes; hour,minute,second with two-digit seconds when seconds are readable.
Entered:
11,10
